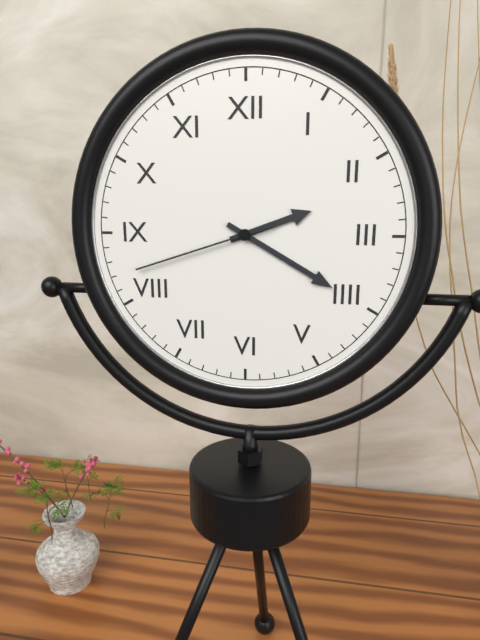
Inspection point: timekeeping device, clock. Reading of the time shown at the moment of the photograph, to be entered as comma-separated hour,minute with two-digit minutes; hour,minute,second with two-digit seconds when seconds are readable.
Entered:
2,20,42
